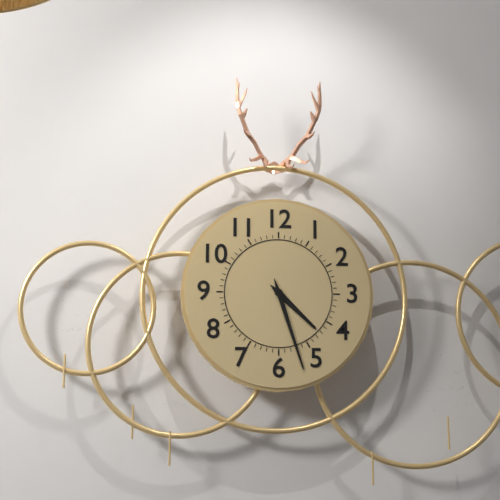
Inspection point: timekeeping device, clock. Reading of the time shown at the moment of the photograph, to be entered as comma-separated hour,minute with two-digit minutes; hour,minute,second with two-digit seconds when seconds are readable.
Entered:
4,27
